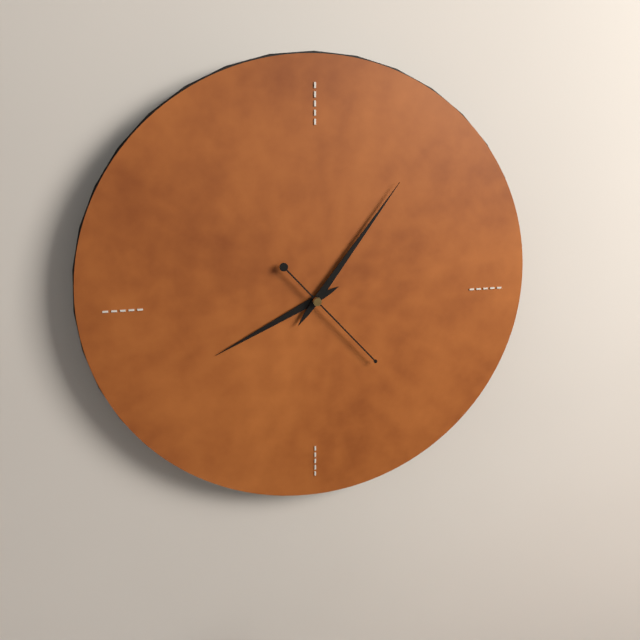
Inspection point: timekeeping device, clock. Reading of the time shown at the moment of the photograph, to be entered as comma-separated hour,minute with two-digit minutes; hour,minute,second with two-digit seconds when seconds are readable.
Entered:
8,06,23
